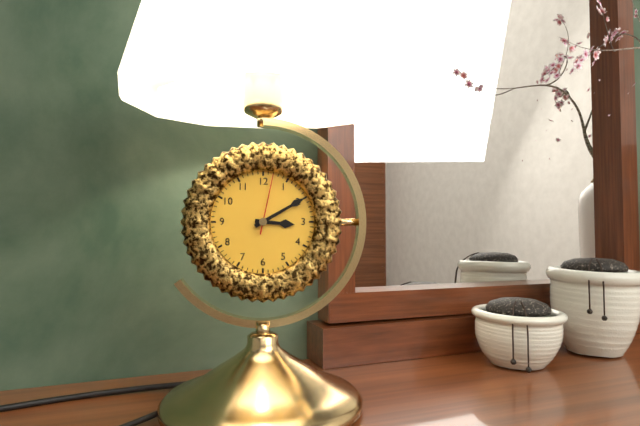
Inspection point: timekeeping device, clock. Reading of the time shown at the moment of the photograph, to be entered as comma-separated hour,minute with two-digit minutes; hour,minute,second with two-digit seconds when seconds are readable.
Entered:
3,10,02
